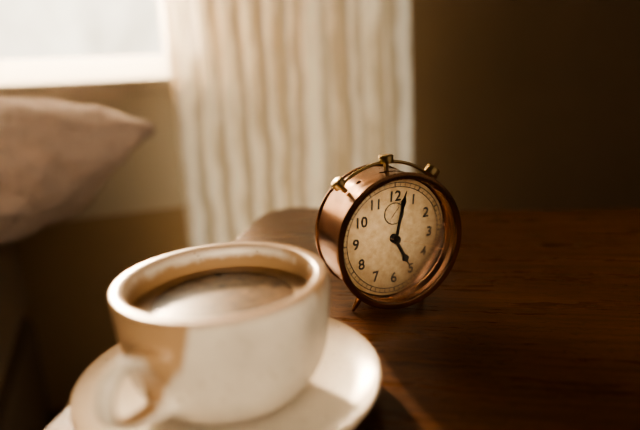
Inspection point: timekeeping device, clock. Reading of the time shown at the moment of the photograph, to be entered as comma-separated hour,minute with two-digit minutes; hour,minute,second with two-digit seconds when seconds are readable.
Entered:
5,02,18
